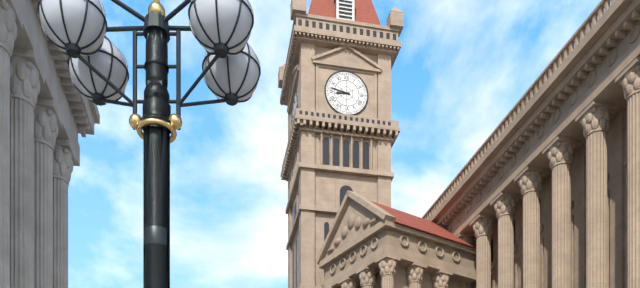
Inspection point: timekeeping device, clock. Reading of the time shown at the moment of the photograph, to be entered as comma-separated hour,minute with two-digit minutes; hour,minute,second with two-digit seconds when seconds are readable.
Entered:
8,47
